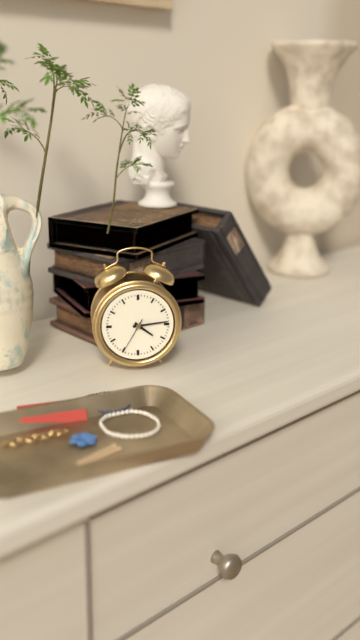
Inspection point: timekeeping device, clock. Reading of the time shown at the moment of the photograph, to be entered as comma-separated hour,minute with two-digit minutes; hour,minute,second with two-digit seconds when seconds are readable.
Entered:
4,14
